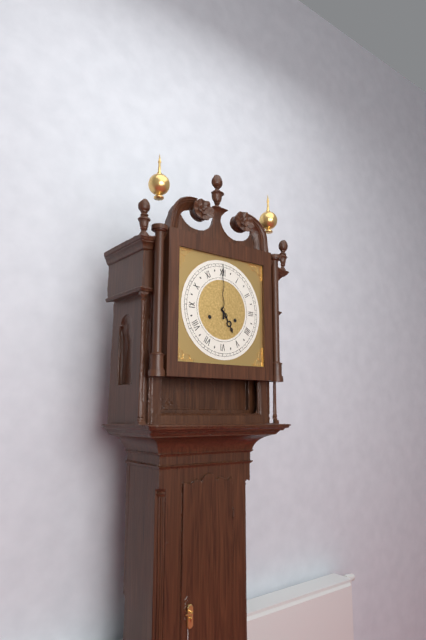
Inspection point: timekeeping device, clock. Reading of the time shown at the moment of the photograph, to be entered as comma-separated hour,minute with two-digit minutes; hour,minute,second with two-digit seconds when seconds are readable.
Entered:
5,00
